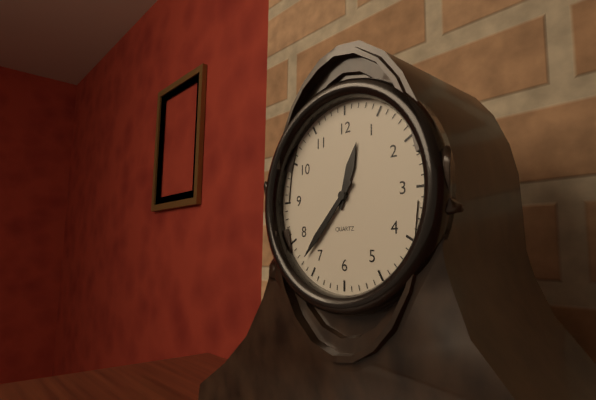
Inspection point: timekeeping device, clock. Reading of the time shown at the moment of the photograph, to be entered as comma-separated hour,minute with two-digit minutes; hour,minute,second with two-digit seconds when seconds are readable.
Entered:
12,37
